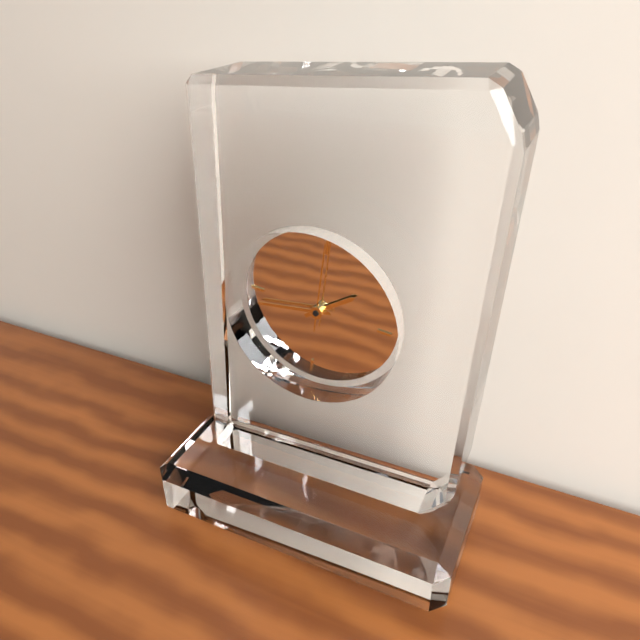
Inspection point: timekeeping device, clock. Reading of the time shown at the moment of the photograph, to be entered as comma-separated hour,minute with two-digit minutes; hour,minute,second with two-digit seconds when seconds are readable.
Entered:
1,43,00
